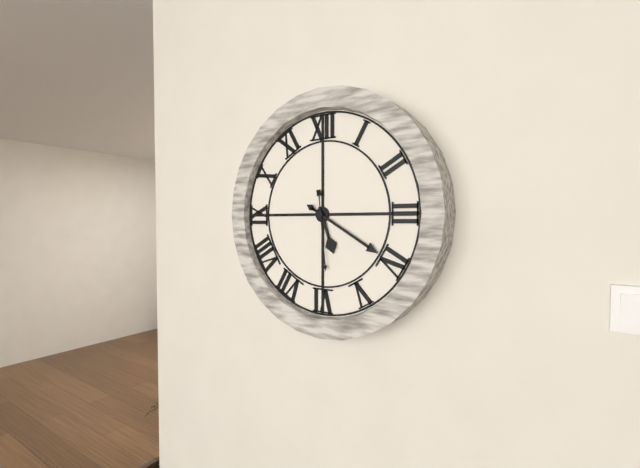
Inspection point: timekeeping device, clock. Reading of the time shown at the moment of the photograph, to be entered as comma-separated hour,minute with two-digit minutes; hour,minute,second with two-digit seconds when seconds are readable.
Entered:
5,20,29
